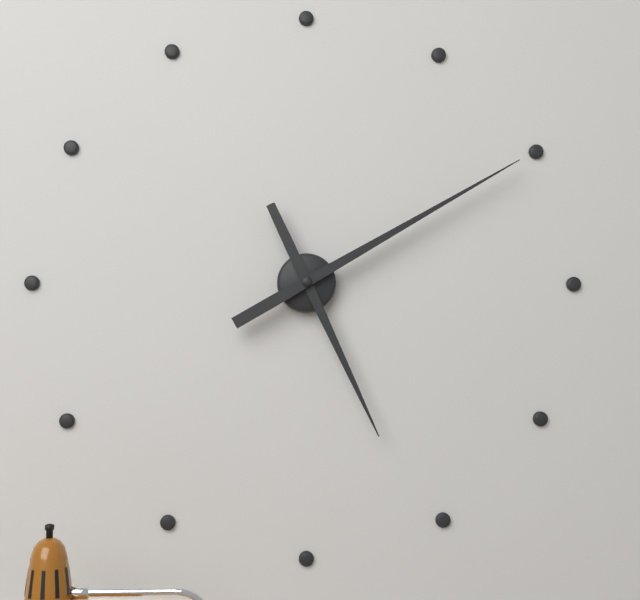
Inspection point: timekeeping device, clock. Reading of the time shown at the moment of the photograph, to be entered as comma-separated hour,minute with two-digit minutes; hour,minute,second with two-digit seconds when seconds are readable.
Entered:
5,10
